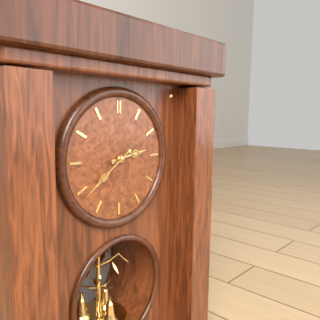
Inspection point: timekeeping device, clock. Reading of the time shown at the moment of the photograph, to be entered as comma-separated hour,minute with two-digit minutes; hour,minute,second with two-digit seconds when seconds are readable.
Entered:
2,39
